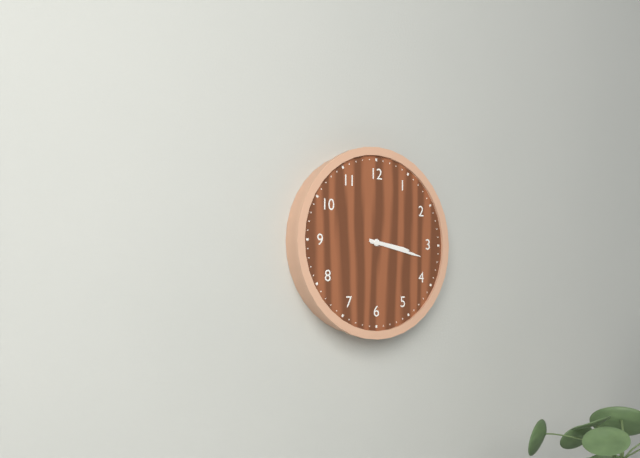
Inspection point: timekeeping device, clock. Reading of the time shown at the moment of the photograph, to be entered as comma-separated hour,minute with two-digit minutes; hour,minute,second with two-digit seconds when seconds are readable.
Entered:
3,17
